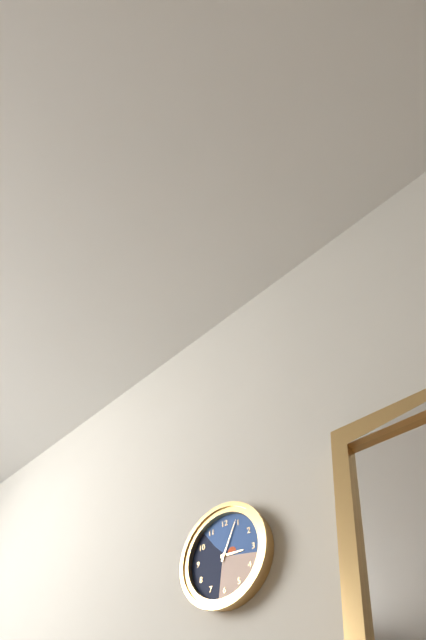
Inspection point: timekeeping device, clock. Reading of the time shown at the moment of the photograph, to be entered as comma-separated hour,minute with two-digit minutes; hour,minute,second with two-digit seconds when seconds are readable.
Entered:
3,04
